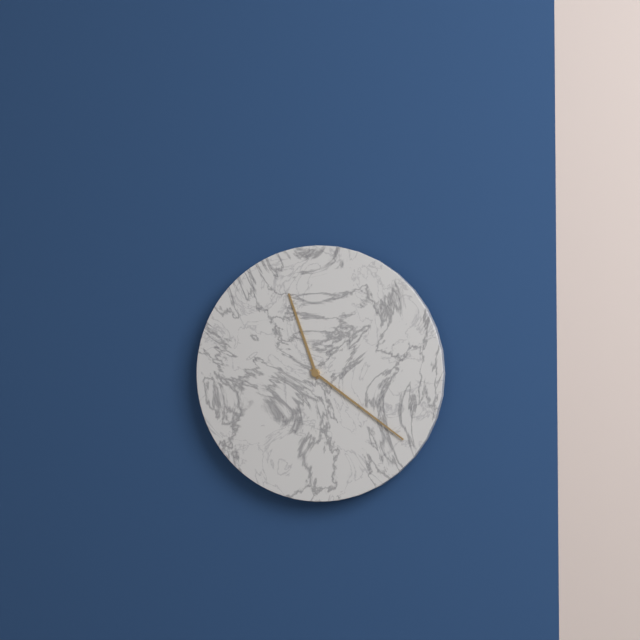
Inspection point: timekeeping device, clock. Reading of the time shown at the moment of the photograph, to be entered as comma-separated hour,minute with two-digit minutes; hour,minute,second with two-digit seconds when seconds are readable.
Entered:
11,21
